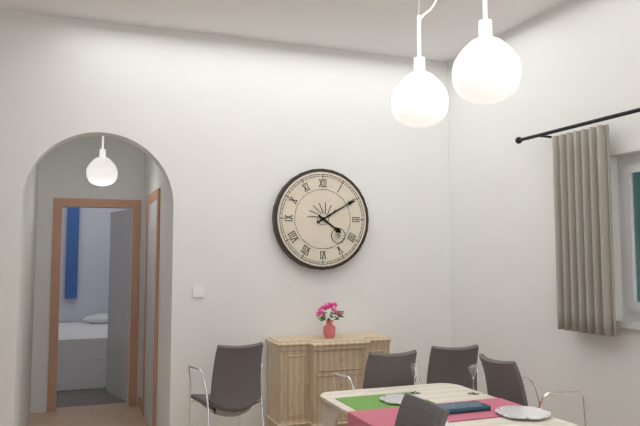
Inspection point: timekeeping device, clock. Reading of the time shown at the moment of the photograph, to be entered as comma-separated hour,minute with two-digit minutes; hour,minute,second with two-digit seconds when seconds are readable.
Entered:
4,10
